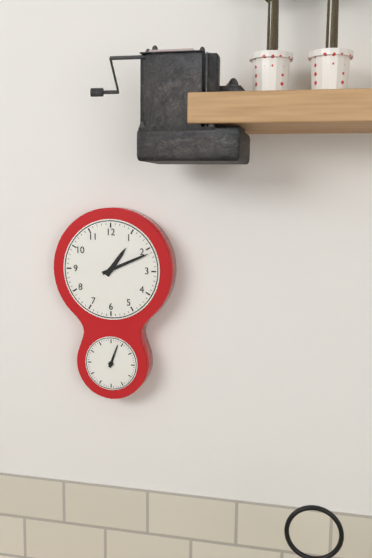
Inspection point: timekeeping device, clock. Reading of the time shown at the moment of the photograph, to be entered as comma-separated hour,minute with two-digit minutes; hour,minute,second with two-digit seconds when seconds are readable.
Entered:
1,11
